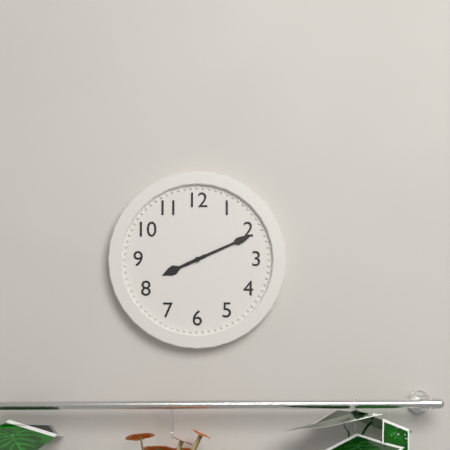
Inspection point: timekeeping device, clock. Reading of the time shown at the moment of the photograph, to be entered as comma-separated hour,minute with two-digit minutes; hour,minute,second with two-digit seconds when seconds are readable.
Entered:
8,11
